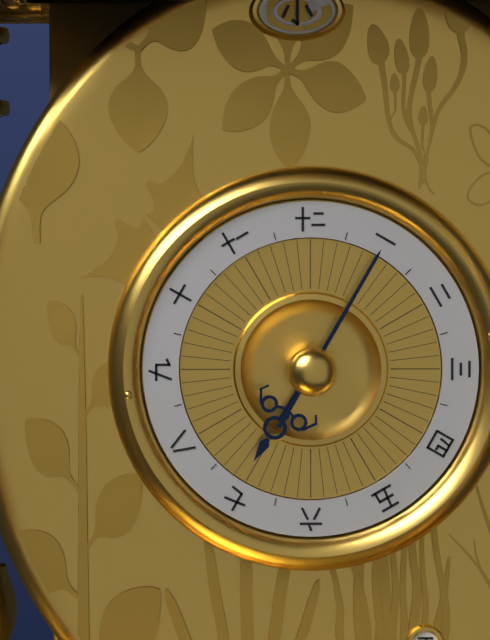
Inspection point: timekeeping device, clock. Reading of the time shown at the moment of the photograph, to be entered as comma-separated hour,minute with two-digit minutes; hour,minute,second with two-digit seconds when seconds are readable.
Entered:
7,05
